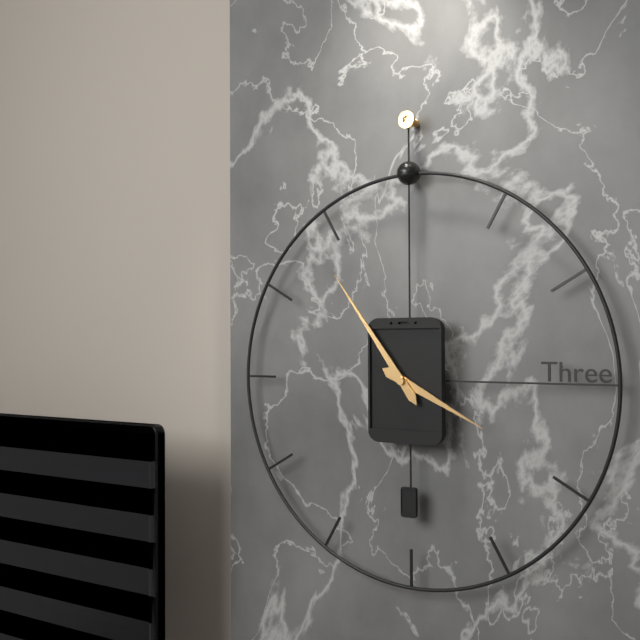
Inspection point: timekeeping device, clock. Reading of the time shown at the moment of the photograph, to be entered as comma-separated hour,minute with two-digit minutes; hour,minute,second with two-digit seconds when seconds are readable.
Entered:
3,54
